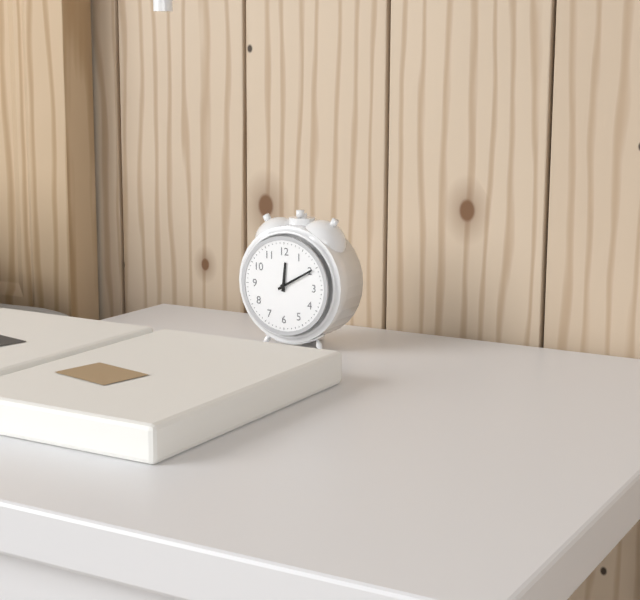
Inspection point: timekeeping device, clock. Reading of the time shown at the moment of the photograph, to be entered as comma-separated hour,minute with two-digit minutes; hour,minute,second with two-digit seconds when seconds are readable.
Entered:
12,10
